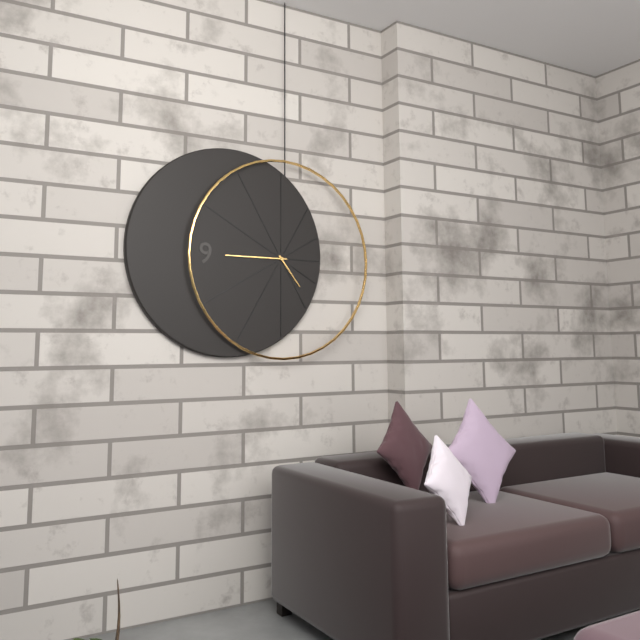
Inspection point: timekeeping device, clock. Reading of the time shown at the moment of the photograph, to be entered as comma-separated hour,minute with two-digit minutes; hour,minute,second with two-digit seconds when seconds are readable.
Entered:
4,45
